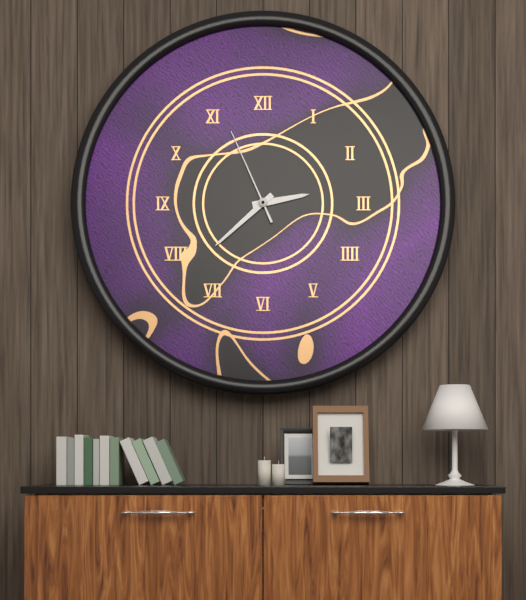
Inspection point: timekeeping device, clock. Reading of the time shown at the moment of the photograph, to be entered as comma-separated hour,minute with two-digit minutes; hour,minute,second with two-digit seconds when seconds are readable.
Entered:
2,38,56
